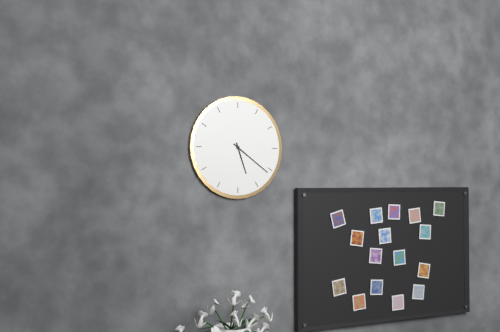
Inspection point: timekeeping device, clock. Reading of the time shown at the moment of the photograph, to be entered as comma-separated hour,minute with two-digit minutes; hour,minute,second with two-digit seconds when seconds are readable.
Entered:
5,21
